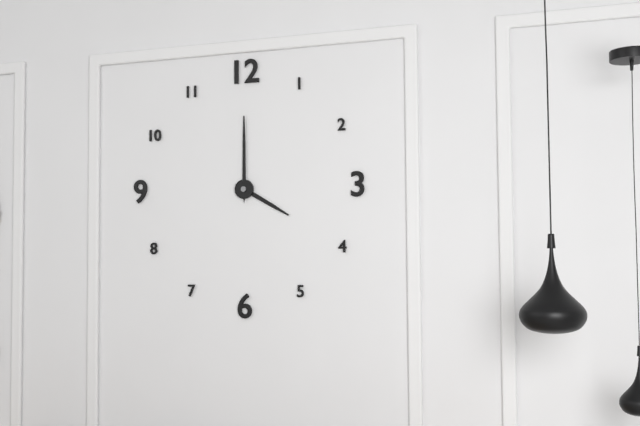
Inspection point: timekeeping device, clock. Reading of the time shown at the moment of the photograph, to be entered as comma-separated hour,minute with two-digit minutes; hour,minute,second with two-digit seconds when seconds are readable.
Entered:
4,00
